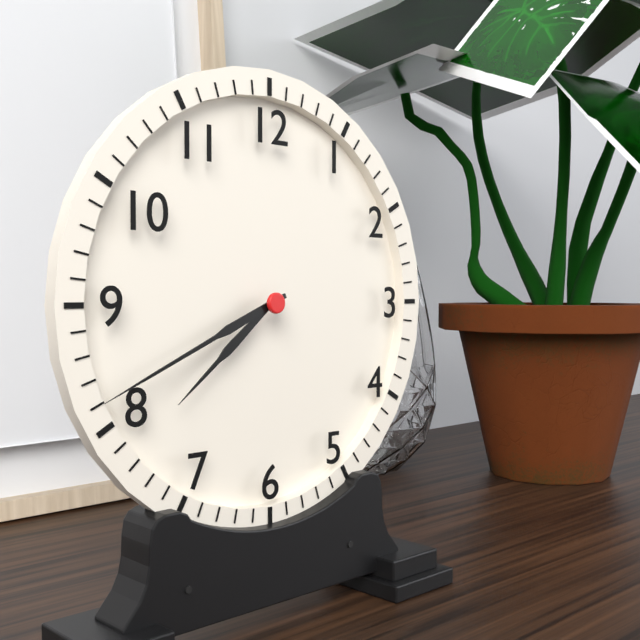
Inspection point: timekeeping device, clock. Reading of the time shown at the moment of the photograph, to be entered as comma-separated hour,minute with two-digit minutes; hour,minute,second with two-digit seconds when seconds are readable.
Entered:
7,41
